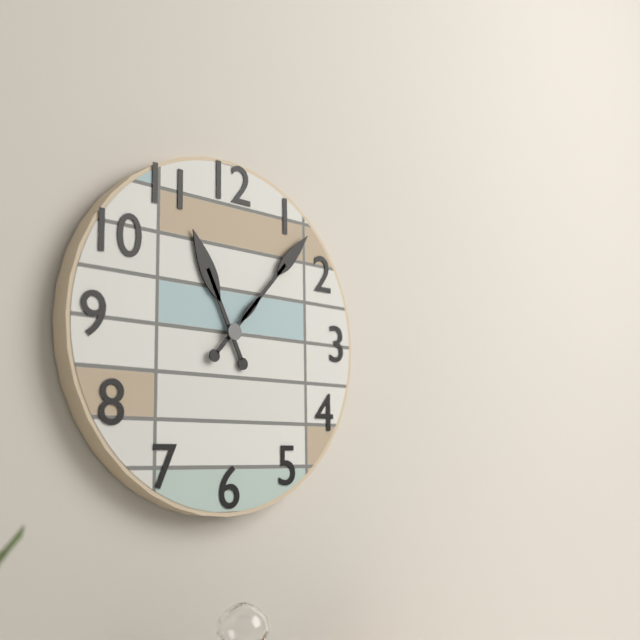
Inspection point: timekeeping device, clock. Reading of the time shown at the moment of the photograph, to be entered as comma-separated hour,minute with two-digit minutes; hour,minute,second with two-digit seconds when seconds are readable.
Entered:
11,07
